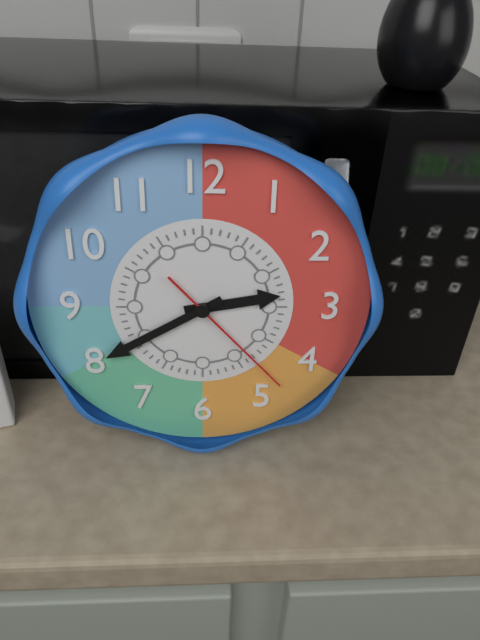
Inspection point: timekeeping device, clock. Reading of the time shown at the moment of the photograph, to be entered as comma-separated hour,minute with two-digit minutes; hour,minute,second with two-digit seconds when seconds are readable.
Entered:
2,40,23
